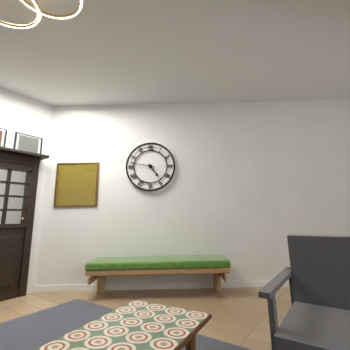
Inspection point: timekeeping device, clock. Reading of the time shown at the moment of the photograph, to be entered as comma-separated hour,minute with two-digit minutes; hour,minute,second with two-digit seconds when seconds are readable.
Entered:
4,47
